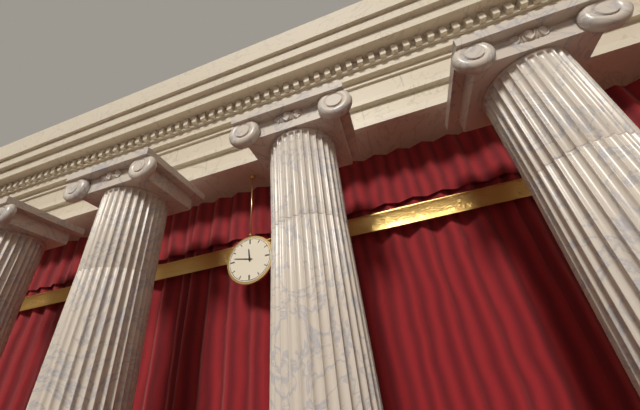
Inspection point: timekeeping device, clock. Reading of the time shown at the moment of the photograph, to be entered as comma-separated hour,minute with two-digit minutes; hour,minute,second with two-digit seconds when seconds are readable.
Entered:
11,47
